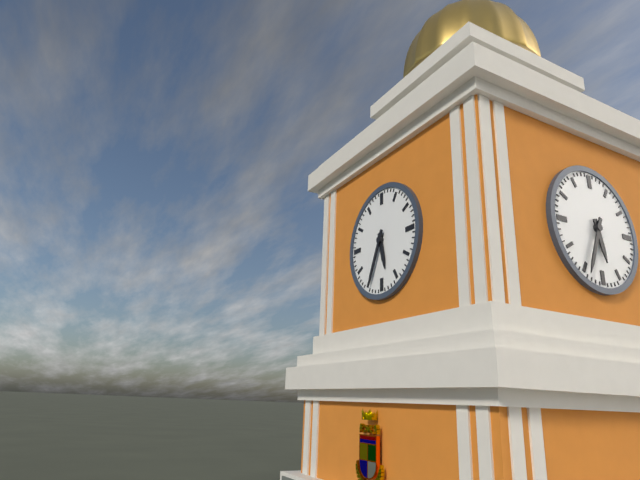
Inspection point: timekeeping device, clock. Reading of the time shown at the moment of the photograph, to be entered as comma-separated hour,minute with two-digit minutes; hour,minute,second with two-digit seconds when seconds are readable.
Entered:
5,34
